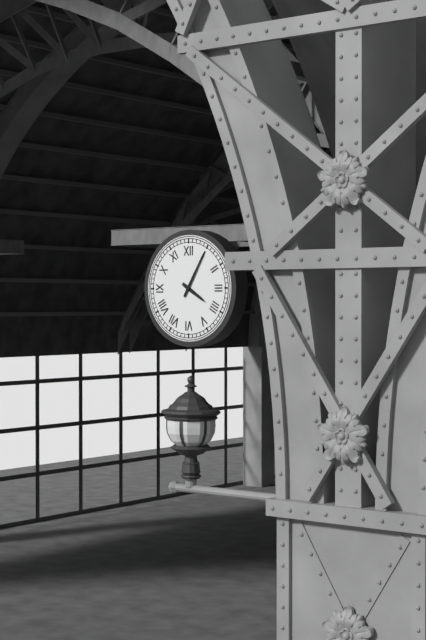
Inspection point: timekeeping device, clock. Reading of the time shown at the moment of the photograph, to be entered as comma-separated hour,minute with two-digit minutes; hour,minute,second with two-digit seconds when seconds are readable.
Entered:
4,05
